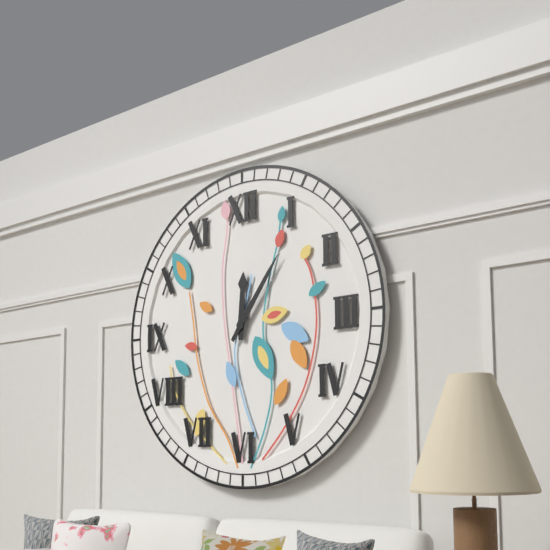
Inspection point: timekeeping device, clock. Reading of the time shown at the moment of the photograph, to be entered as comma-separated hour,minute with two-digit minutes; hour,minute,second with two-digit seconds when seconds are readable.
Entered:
12,06
